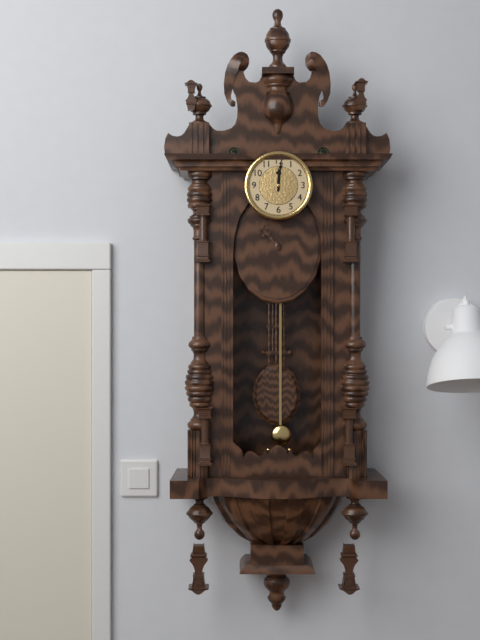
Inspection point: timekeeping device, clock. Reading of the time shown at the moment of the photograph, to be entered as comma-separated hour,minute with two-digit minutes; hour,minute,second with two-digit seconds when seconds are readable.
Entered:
12,01
